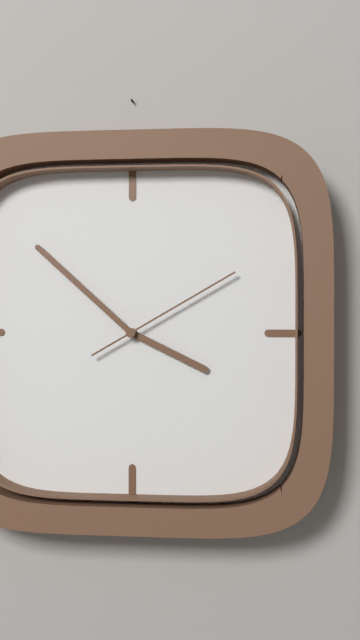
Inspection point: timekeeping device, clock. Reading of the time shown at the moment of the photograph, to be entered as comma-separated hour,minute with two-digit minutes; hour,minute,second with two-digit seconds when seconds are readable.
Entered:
3,52,10
